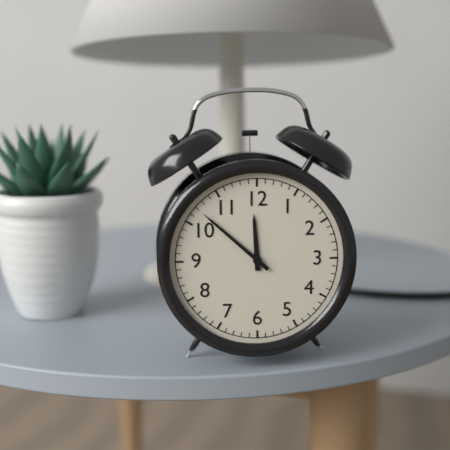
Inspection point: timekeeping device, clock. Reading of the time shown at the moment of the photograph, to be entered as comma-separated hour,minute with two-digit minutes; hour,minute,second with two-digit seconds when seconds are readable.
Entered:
11,52
